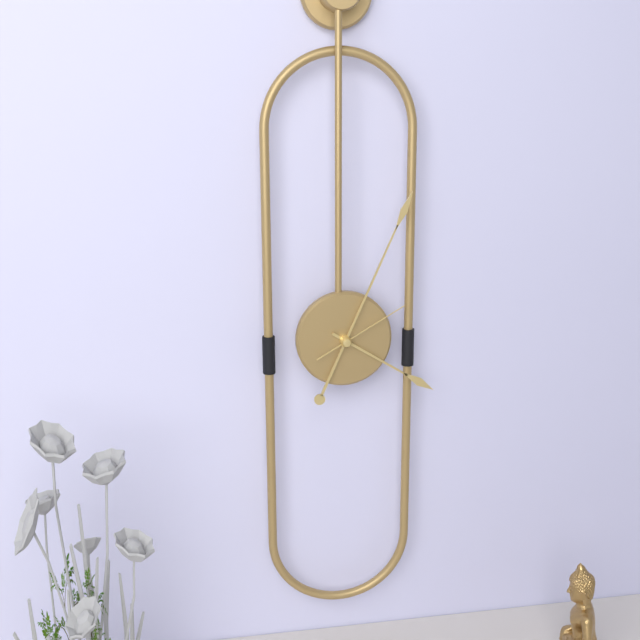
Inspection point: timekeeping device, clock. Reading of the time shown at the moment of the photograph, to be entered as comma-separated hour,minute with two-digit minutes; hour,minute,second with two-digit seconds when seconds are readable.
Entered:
4,04,10
